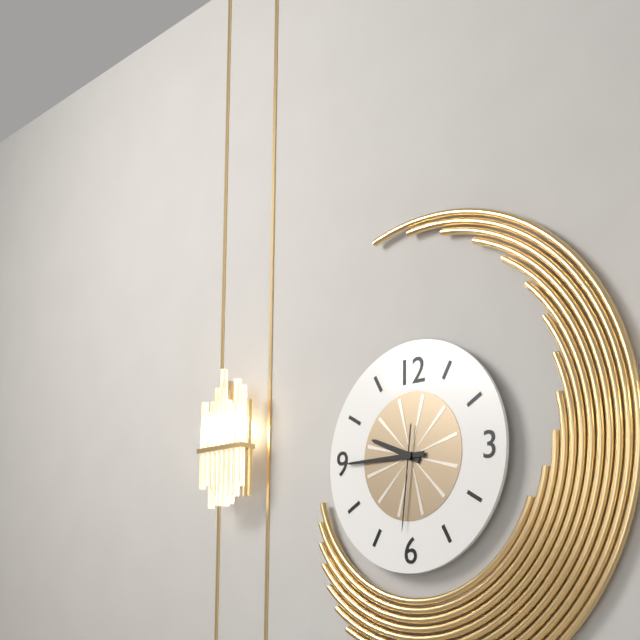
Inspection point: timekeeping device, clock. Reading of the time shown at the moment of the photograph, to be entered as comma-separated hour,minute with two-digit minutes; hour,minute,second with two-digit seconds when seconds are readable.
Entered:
9,45,31
